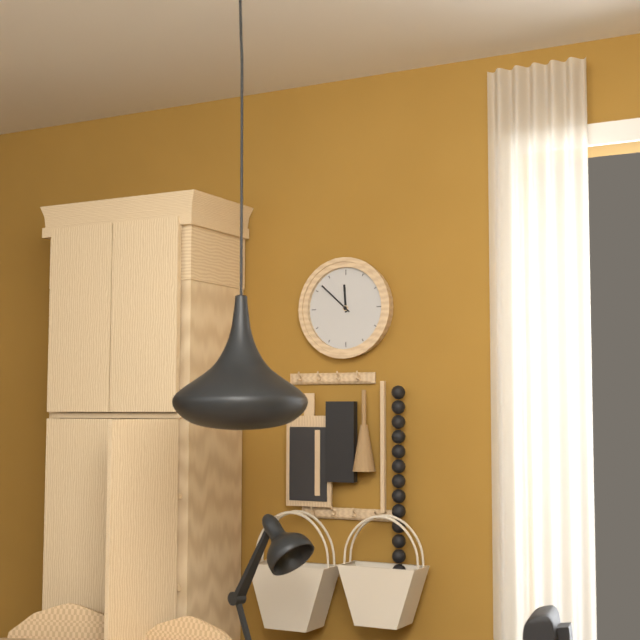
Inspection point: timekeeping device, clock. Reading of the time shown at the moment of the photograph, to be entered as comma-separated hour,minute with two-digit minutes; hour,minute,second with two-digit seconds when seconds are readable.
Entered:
11,52
